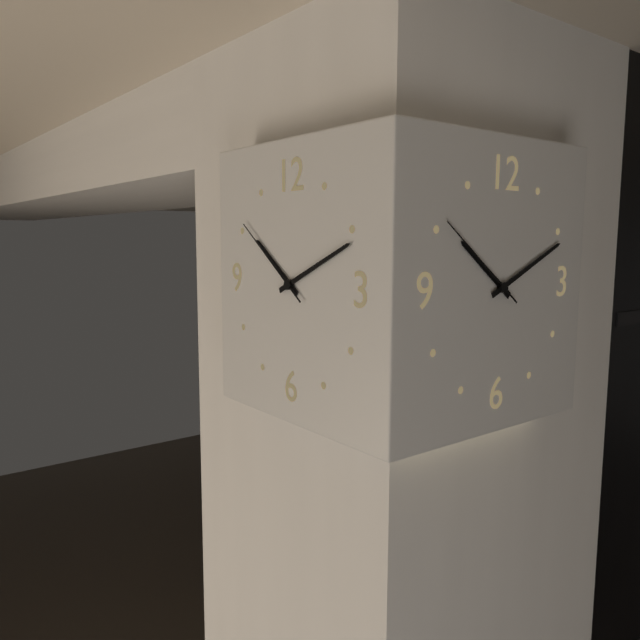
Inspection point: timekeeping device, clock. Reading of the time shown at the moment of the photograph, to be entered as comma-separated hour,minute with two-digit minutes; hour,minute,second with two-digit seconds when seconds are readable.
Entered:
10,11,51
